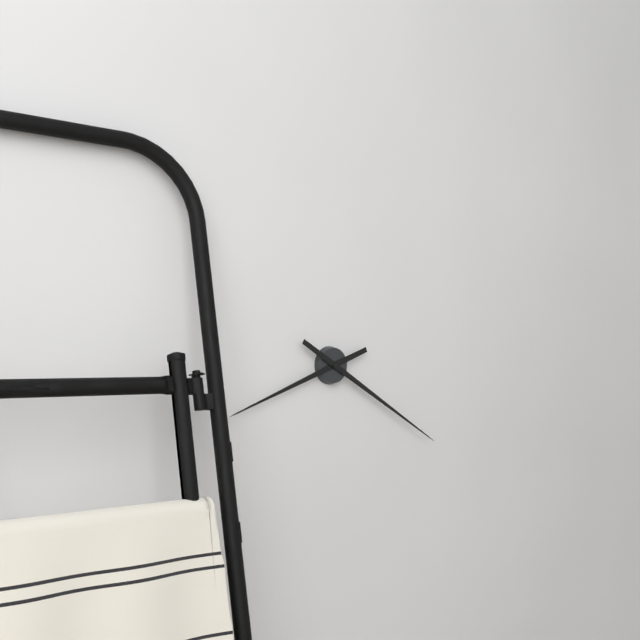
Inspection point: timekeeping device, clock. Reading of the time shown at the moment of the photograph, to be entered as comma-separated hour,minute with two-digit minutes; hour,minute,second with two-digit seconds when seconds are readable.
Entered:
8,20
